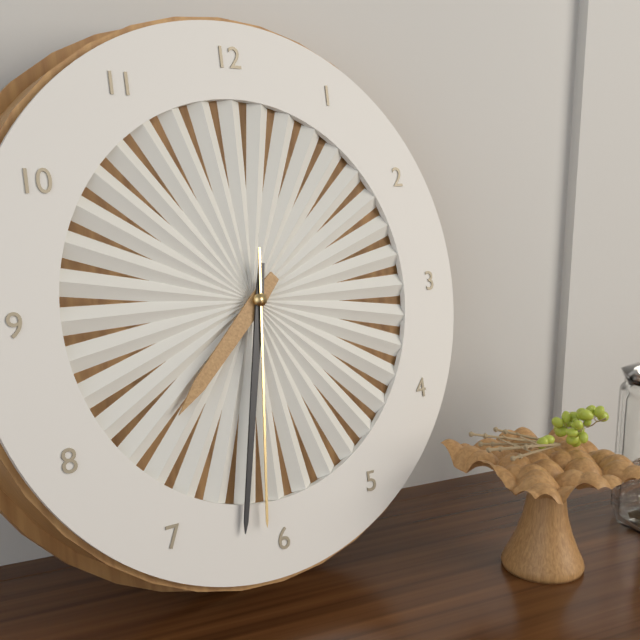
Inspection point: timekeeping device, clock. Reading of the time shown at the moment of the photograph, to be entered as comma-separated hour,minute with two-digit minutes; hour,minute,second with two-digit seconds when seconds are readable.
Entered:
7,32,31
